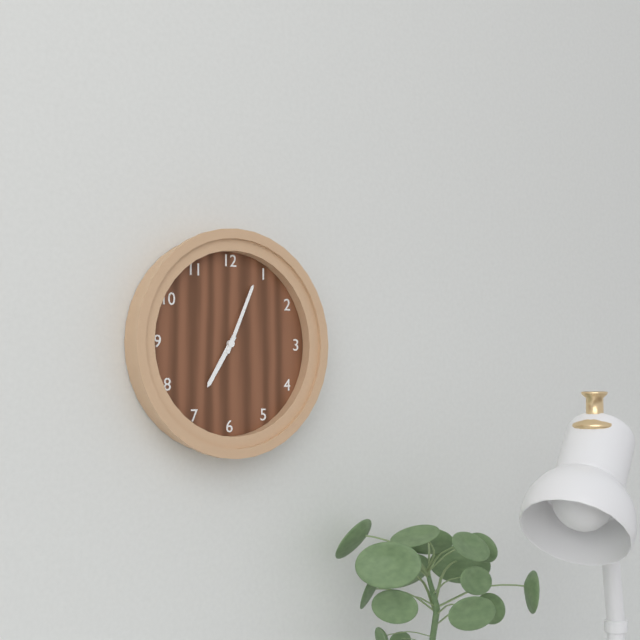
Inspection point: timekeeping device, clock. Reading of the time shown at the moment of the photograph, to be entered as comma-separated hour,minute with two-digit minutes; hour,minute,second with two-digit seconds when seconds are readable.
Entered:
7,04
